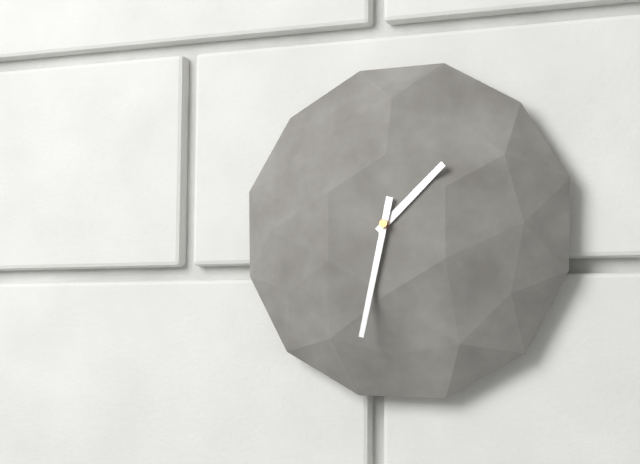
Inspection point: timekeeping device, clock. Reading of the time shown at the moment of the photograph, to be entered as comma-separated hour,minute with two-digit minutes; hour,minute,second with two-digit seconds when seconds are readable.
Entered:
1,32
